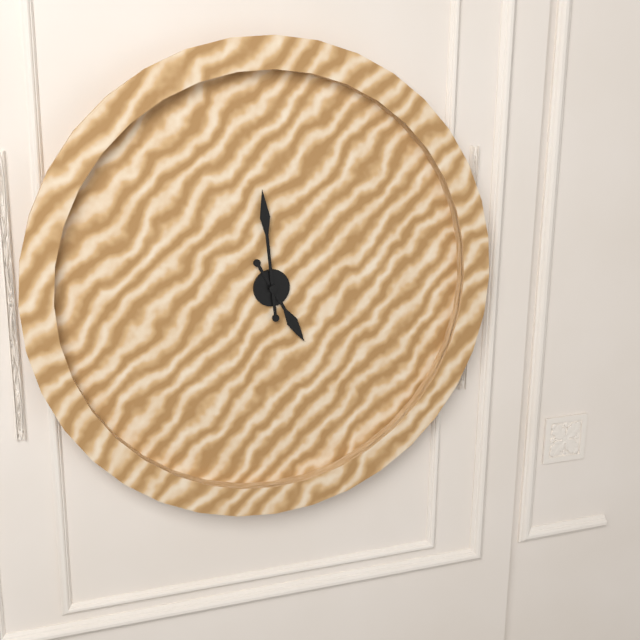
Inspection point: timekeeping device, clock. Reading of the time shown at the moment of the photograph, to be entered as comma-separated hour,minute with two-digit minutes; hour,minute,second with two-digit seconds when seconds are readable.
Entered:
4,59
